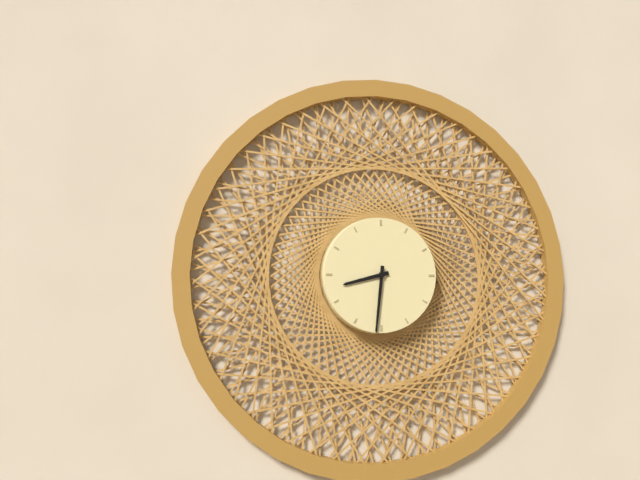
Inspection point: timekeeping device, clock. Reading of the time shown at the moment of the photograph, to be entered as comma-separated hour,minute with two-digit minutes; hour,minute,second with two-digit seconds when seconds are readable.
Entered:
8,31
